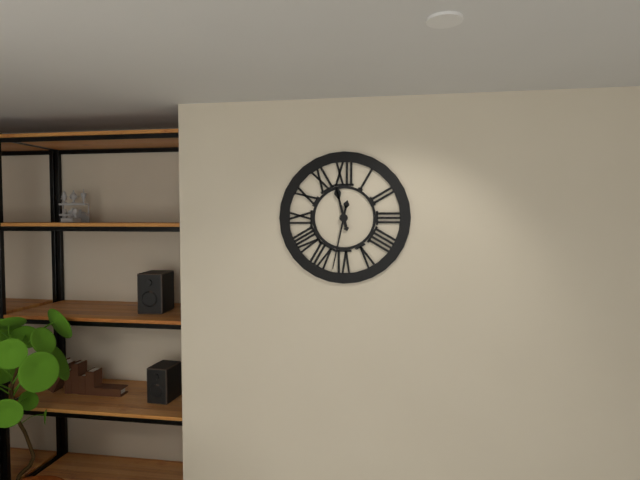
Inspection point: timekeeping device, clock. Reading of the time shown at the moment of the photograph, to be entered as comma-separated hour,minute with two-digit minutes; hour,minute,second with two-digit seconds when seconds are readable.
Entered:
11,32
